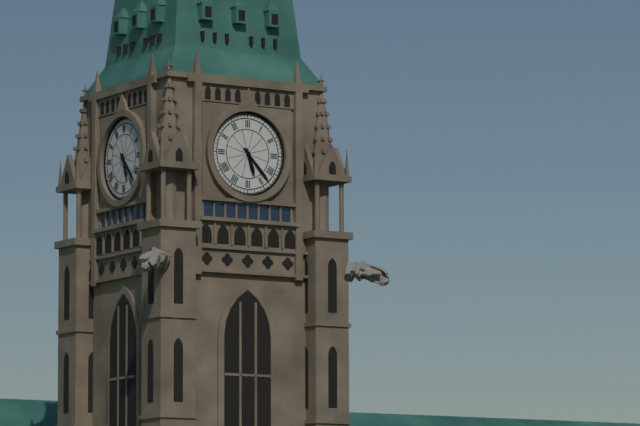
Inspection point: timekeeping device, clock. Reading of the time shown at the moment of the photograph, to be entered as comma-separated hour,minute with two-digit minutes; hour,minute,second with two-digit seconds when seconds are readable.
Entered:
5,23
